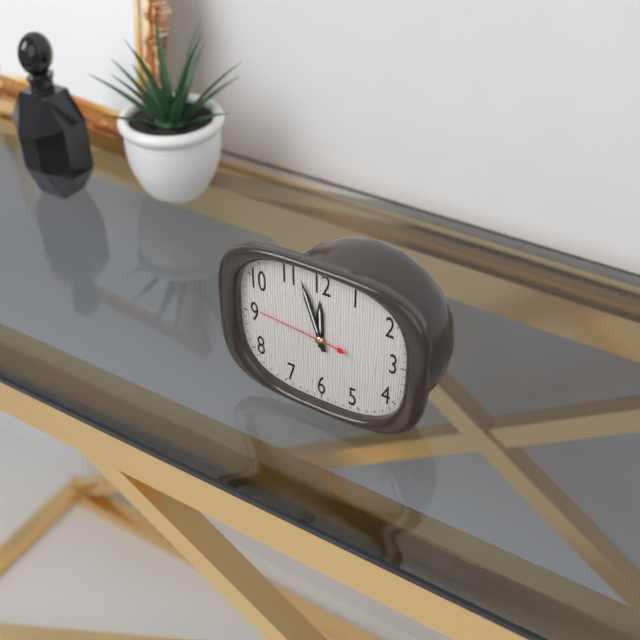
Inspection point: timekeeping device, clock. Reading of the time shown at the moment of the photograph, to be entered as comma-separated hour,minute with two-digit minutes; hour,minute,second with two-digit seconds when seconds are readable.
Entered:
11,57,46
